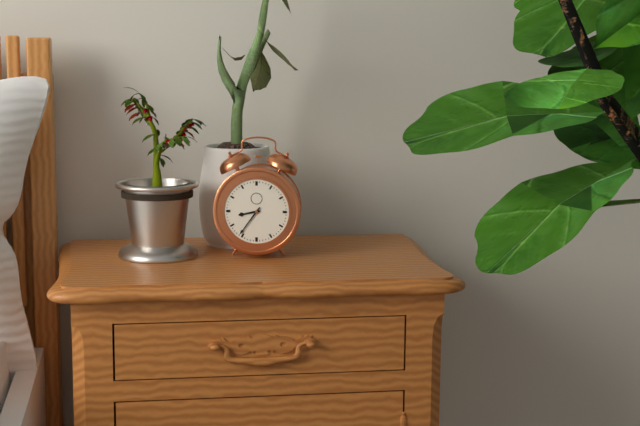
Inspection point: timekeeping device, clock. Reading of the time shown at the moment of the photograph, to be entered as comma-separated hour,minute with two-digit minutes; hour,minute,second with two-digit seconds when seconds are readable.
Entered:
8,36
